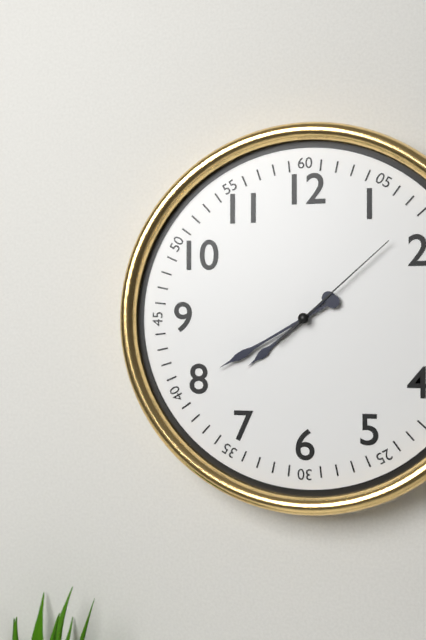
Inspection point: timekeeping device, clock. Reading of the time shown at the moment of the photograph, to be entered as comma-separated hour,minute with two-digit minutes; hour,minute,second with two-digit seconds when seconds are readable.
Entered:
7,40,08
